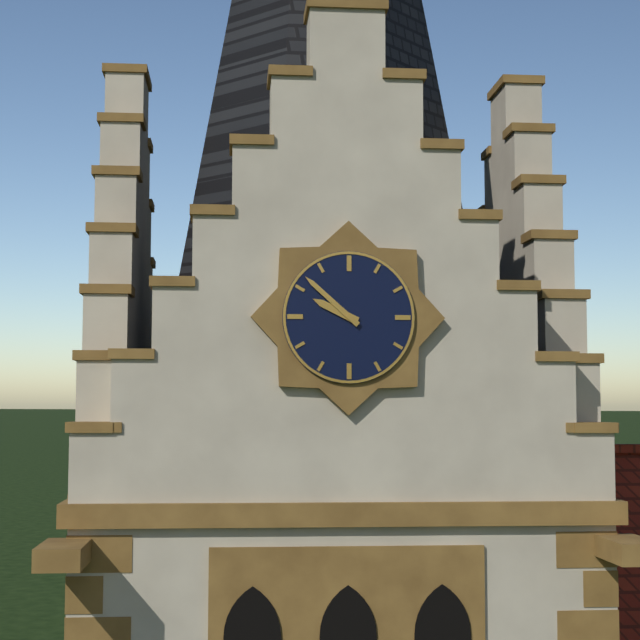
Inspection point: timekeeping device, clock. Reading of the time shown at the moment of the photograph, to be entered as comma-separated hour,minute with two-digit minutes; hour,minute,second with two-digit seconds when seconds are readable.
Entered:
9,52
